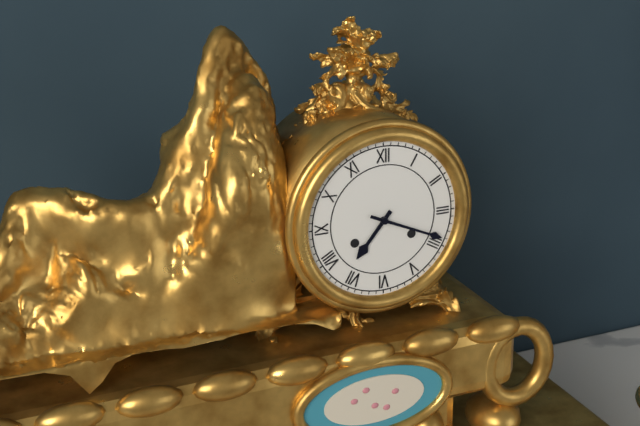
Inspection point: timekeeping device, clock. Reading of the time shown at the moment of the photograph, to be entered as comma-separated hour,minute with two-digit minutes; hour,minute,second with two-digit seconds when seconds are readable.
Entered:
7,19
